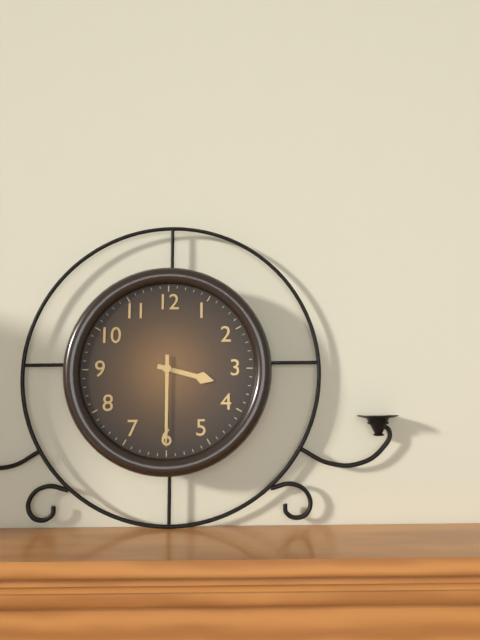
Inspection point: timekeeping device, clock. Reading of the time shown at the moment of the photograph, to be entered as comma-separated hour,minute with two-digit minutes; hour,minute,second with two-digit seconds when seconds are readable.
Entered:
3,30
